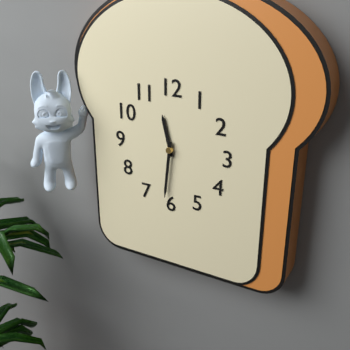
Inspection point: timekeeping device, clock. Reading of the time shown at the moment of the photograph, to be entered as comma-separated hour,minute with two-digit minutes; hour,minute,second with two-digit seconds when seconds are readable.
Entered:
11,31
